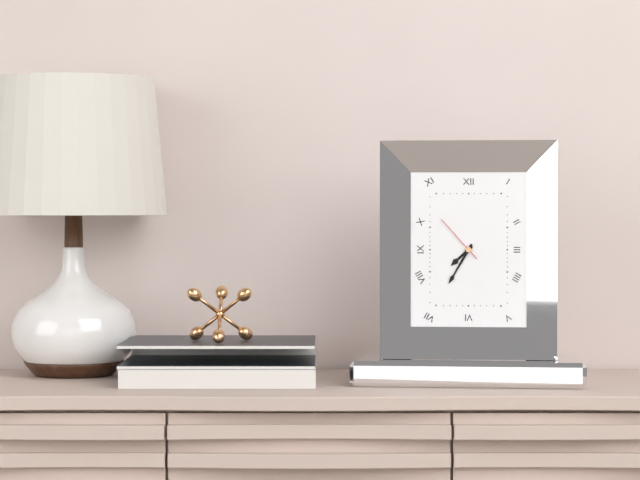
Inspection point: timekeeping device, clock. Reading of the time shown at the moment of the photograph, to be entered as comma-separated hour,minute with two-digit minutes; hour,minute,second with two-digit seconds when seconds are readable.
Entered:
7,35,53
